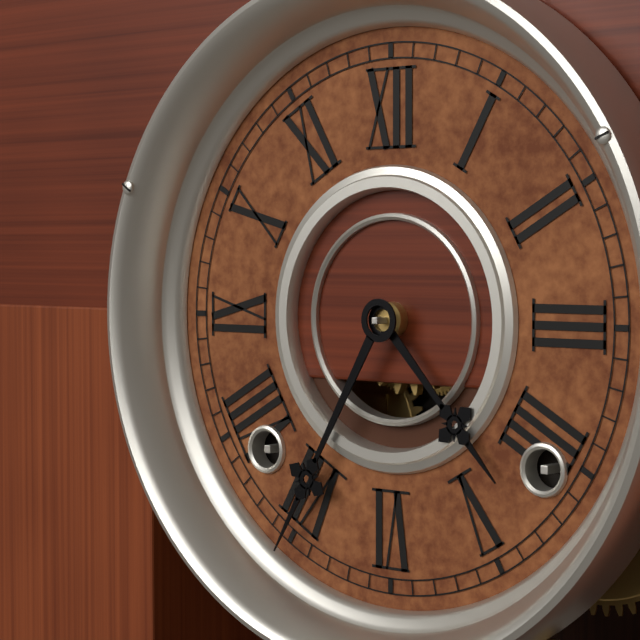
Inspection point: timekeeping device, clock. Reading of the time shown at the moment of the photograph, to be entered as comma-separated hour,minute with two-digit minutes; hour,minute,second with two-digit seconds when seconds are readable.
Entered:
4,35
